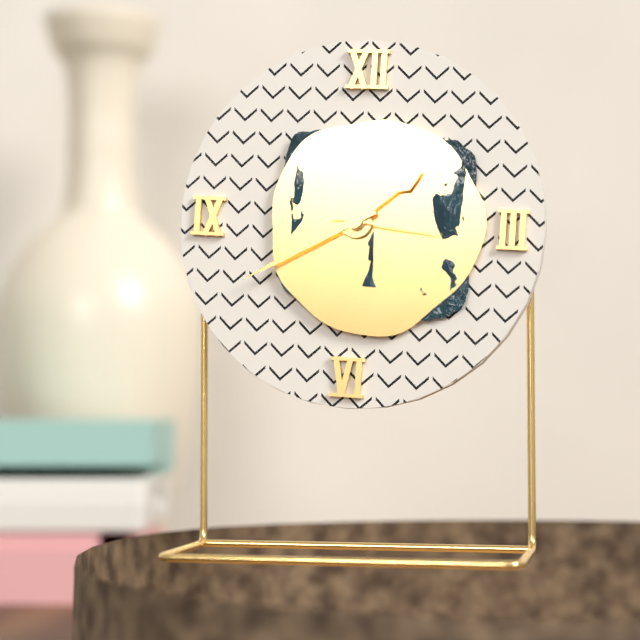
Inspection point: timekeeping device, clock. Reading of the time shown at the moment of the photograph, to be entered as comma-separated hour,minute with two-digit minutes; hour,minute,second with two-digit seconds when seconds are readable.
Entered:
1,40,16
